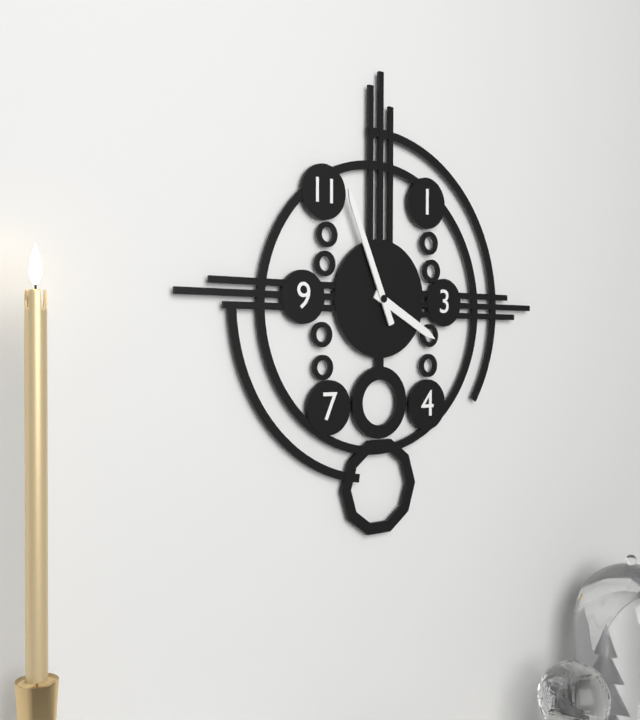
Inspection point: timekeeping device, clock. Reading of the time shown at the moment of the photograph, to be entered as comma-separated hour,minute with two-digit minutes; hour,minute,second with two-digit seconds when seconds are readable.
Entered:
3,56
